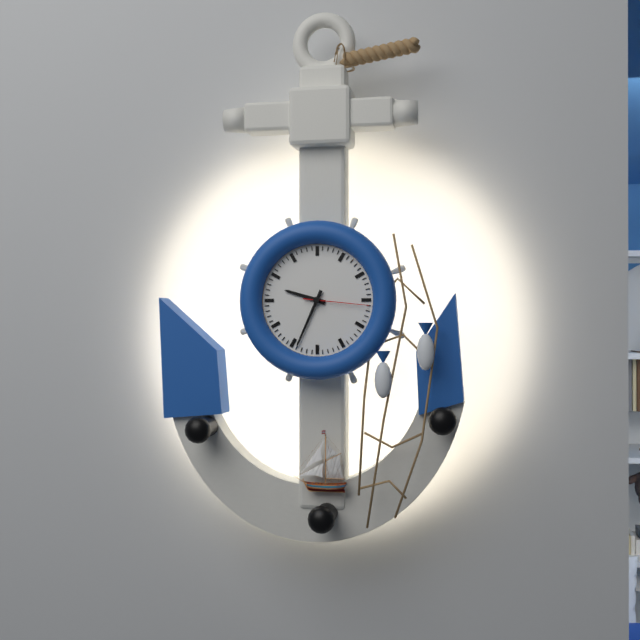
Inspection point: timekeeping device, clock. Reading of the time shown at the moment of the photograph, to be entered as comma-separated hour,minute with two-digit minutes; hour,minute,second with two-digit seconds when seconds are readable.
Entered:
9,34,16
